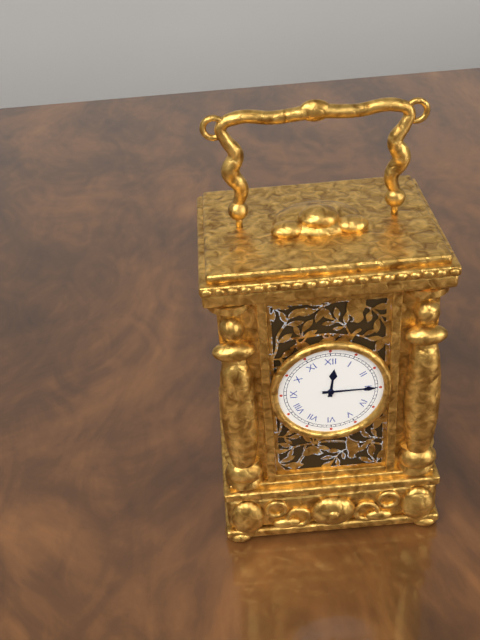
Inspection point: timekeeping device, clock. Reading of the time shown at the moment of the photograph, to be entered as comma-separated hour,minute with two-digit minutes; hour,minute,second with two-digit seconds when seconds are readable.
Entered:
12,15
